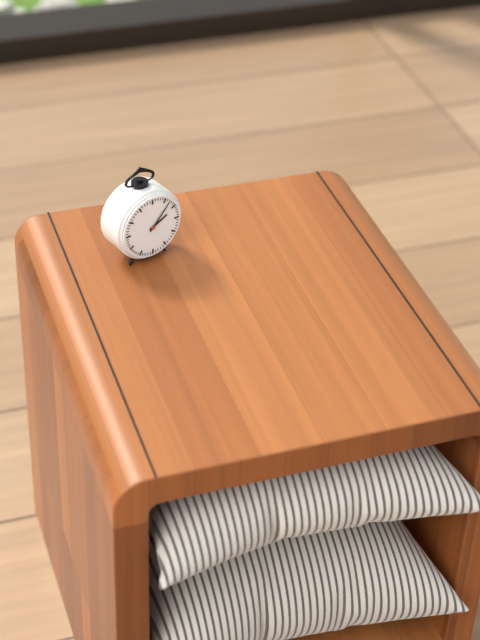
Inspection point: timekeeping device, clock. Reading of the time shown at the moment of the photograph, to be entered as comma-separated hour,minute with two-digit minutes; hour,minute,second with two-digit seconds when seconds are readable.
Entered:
2,07
